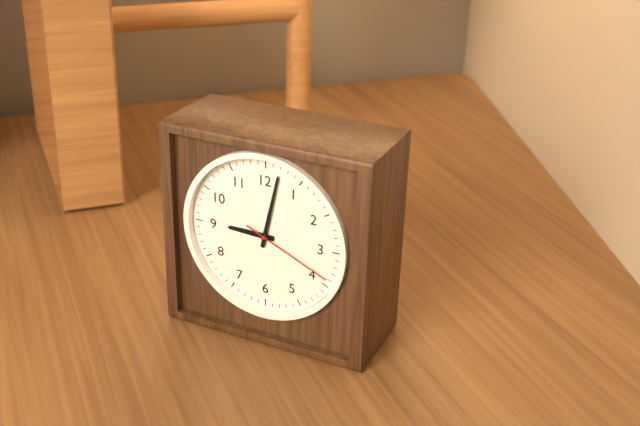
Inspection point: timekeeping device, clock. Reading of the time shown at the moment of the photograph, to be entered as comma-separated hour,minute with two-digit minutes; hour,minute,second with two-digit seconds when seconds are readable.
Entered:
9,02,19
